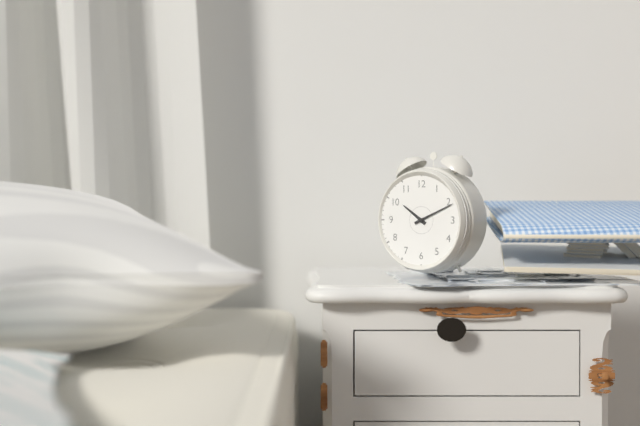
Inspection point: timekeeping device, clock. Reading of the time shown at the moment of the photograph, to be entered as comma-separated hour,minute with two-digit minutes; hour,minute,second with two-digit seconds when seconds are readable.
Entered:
10,11
